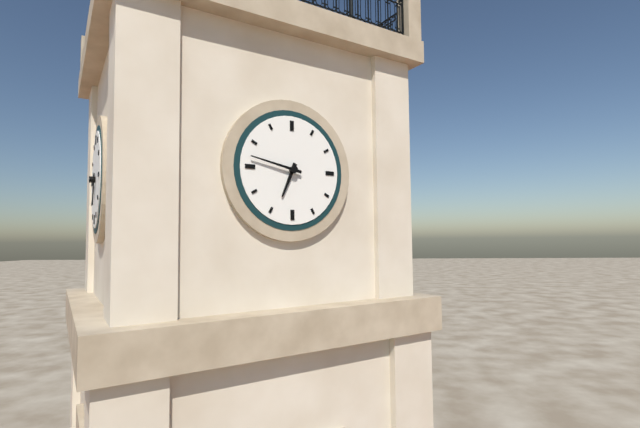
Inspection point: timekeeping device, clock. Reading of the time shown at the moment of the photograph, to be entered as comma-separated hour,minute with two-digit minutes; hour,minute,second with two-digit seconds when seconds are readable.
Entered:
6,47
